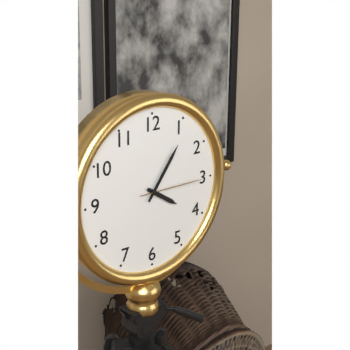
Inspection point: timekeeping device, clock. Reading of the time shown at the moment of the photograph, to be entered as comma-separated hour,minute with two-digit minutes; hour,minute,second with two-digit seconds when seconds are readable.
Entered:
4,06,15
